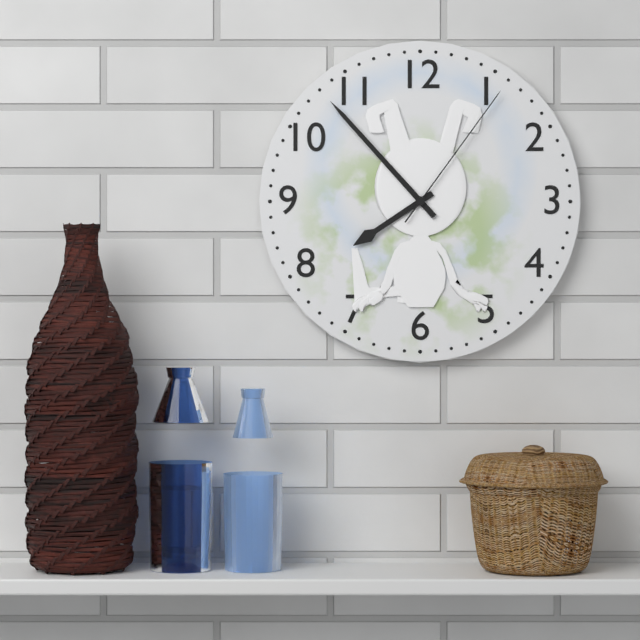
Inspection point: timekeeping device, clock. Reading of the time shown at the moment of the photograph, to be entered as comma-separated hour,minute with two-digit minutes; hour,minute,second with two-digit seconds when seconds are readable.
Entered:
7,53,06
